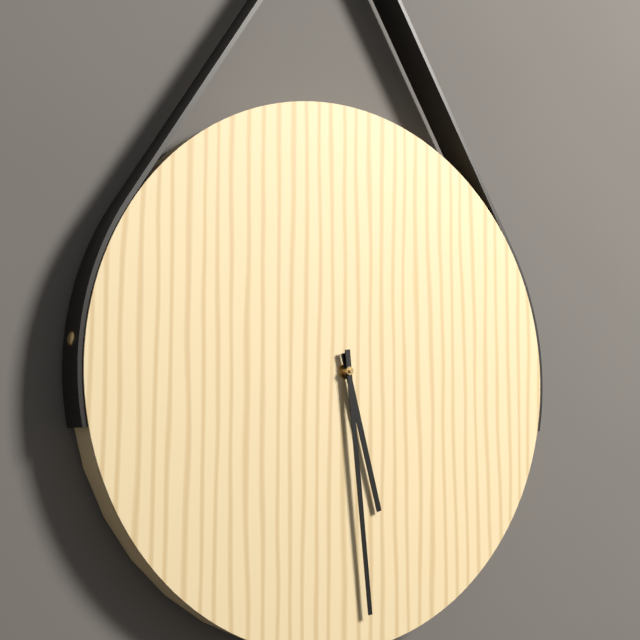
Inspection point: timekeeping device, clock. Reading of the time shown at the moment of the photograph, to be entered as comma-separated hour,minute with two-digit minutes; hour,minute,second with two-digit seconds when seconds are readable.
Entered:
5,29
